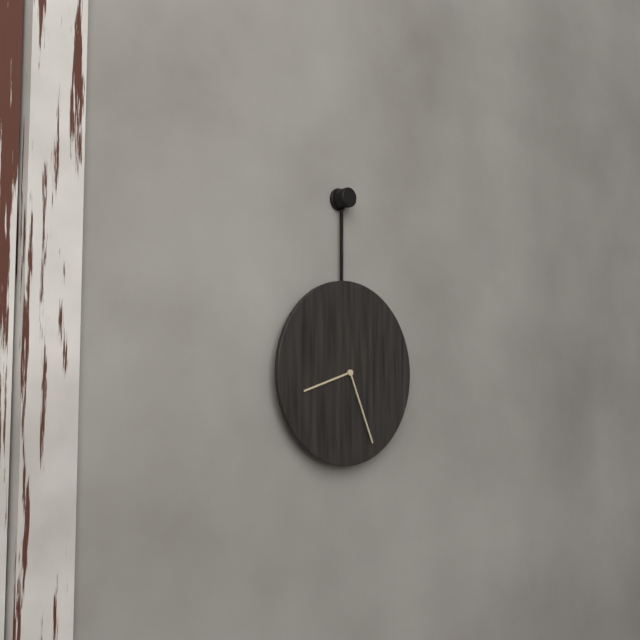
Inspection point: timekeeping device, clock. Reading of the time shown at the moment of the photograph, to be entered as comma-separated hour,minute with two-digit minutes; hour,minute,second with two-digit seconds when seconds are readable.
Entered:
8,26
